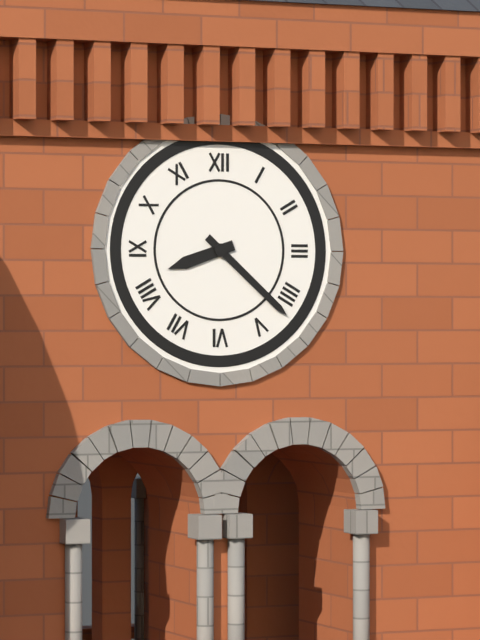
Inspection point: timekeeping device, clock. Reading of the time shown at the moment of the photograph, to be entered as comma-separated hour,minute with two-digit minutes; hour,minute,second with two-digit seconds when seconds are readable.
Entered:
8,22
